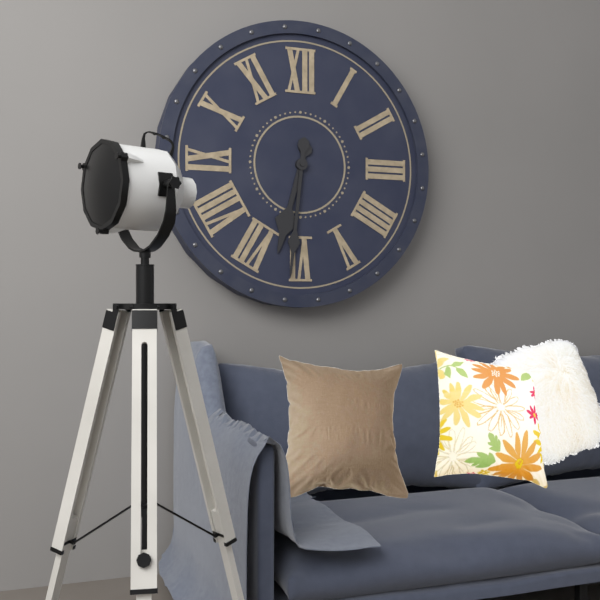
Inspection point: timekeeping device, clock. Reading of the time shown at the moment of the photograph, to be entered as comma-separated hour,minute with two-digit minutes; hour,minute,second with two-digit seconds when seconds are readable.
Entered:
6,31
